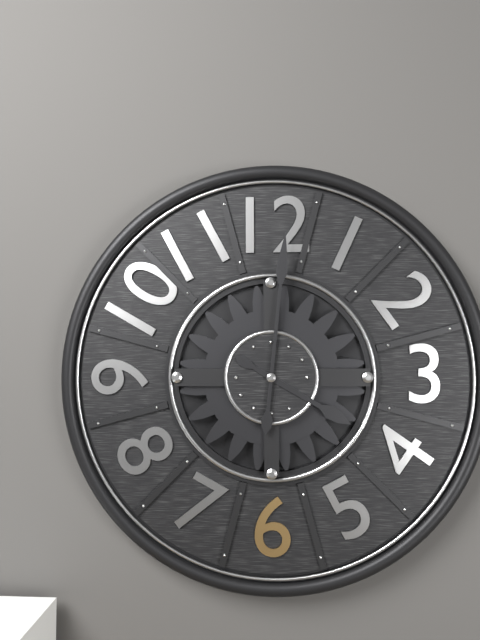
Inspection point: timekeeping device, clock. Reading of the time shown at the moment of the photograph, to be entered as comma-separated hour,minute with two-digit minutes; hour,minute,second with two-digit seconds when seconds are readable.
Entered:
4,01
